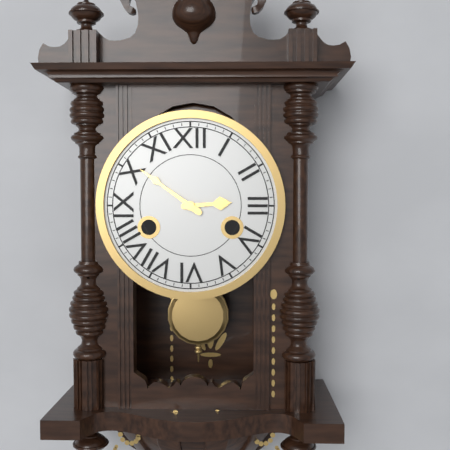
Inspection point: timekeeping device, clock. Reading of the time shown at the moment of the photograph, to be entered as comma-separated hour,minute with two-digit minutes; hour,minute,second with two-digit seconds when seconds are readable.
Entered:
2,51
